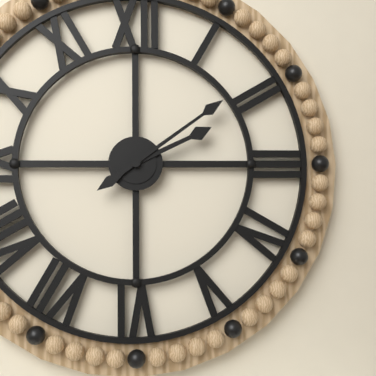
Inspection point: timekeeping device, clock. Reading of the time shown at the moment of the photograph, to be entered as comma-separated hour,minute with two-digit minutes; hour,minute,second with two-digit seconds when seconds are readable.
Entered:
2,09
